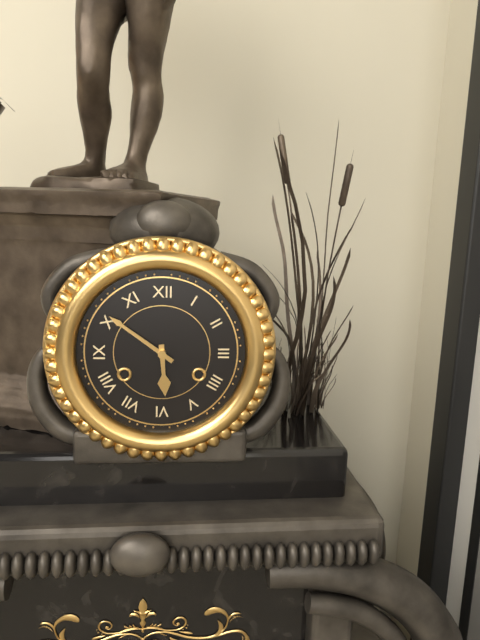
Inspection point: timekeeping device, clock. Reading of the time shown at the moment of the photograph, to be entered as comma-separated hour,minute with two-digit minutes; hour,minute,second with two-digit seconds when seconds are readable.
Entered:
5,51
